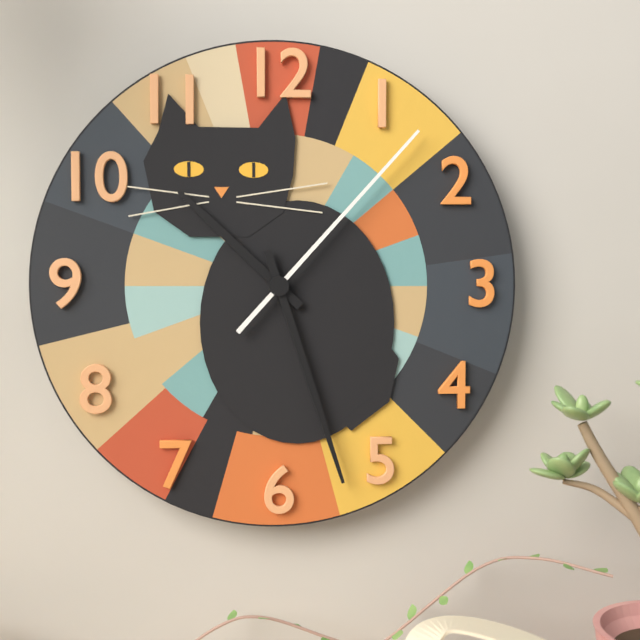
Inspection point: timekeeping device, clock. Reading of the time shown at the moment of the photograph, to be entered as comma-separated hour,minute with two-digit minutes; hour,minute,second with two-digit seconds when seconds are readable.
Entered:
10,27,07
